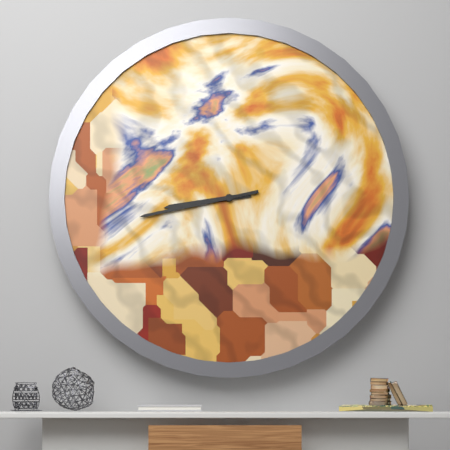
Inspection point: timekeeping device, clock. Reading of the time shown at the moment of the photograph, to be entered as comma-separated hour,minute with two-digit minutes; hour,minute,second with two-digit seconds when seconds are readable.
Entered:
8,43
